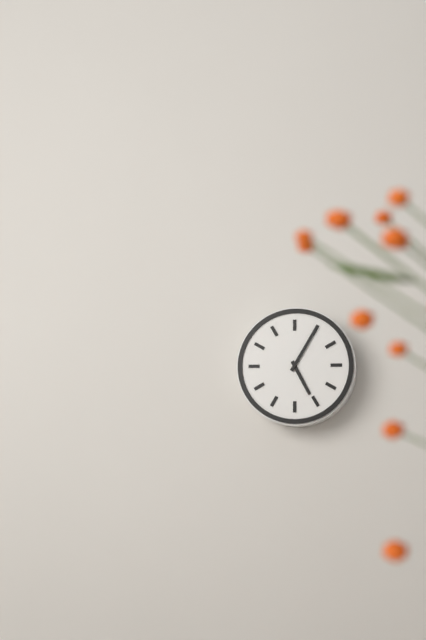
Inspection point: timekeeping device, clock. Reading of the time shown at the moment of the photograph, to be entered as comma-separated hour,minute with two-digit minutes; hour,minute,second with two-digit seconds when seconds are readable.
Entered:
5,05
